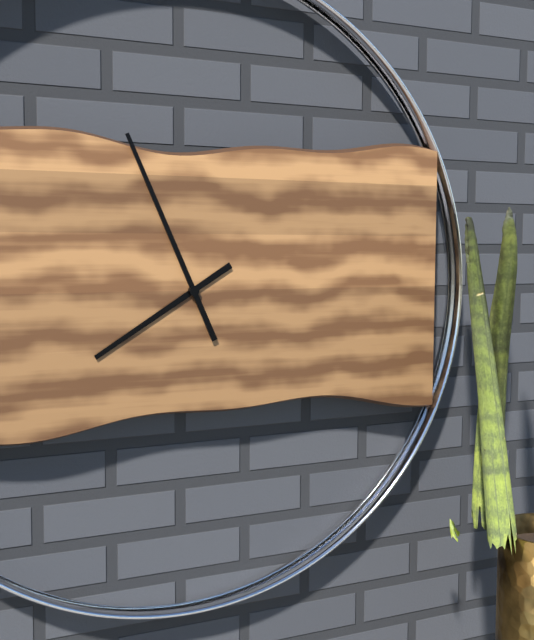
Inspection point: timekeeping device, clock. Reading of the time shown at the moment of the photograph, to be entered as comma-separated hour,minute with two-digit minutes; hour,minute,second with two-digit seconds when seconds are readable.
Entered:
7,56
